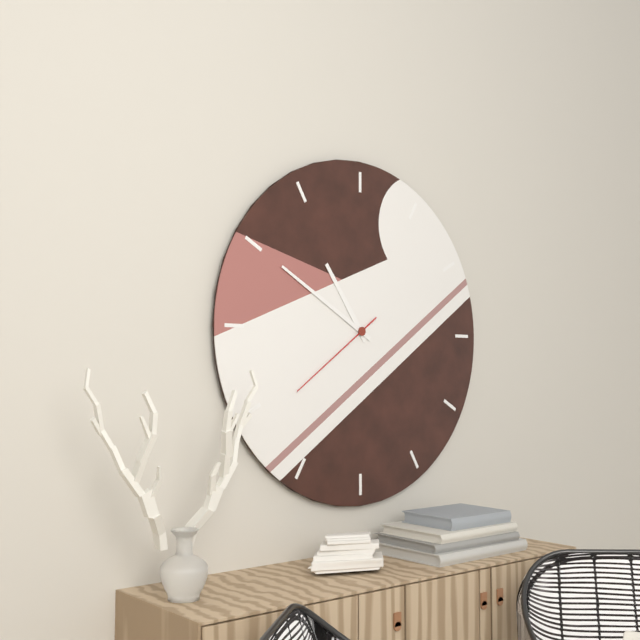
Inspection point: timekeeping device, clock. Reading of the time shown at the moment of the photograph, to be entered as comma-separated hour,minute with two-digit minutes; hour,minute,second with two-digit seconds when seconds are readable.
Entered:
10,50,39
